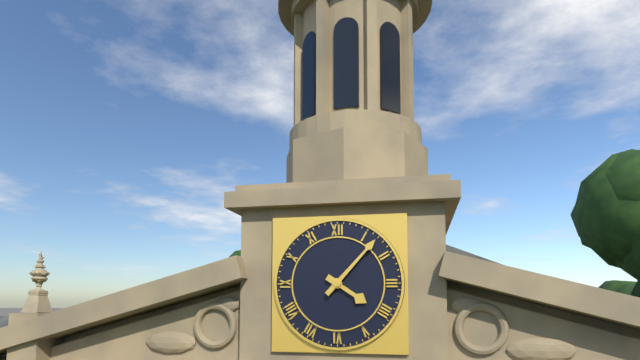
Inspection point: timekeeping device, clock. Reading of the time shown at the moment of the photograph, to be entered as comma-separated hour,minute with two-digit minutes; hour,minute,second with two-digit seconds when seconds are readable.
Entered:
4,07
